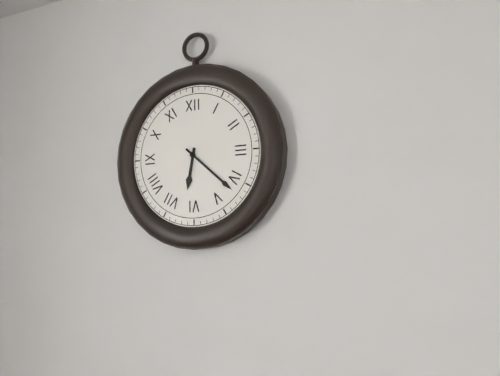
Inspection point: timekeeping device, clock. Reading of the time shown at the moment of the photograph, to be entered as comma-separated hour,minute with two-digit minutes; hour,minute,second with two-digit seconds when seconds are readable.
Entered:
6,22
